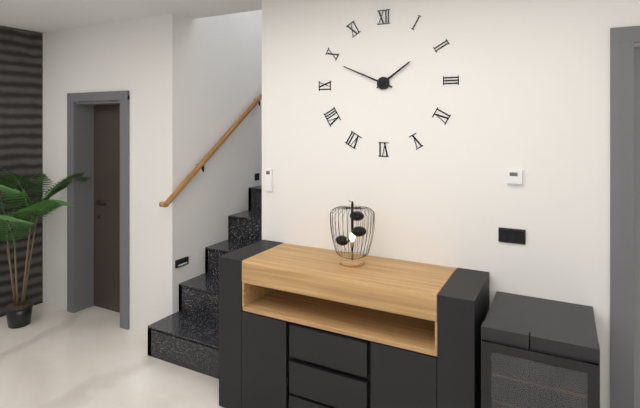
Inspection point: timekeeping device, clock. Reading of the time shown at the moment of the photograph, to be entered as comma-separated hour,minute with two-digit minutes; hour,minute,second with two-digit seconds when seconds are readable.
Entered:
1,49
